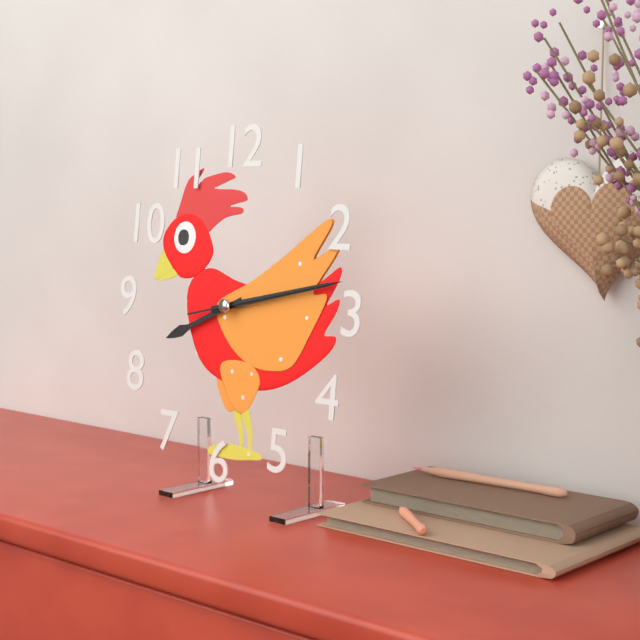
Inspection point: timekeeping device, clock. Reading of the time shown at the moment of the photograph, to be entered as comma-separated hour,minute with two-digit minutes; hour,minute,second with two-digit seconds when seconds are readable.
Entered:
8,13,13
